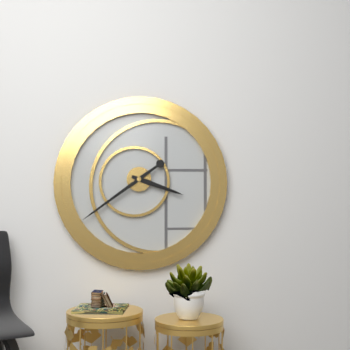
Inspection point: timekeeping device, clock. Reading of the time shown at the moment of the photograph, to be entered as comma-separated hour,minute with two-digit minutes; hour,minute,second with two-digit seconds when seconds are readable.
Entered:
3,39
